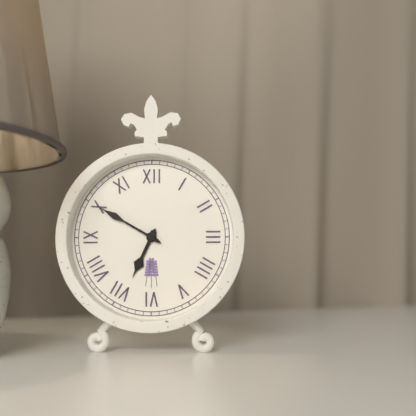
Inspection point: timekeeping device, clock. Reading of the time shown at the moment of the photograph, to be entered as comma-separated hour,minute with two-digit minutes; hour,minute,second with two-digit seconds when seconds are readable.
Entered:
6,50
